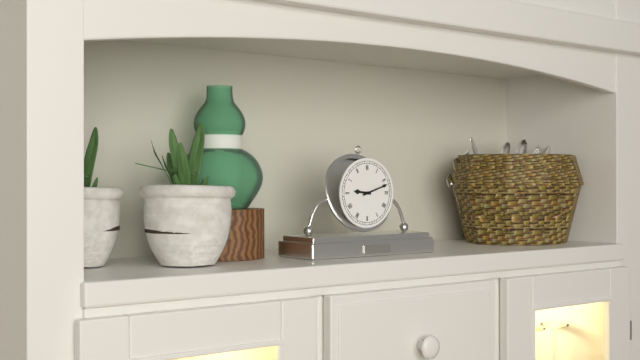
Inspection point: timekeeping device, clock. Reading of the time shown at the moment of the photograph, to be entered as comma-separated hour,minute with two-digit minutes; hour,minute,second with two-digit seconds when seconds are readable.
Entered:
9,12
